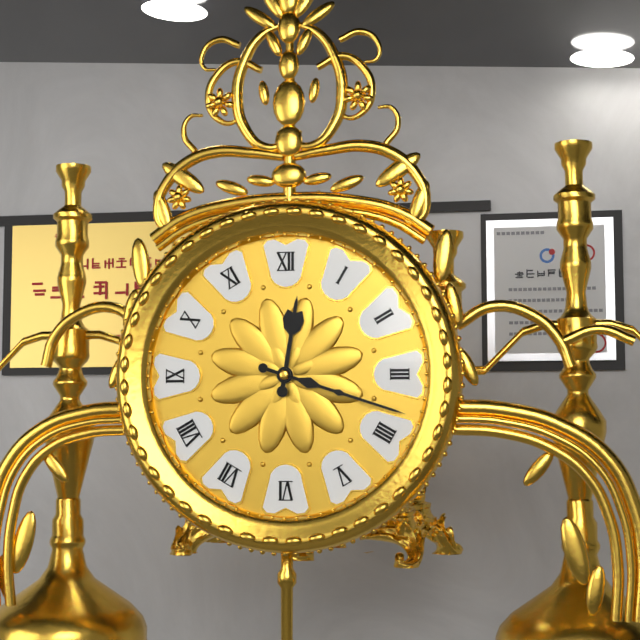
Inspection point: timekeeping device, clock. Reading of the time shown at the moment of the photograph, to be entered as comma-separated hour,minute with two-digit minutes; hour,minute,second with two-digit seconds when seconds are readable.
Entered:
12,18
